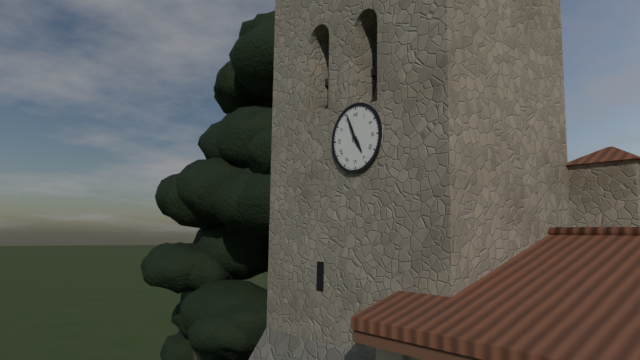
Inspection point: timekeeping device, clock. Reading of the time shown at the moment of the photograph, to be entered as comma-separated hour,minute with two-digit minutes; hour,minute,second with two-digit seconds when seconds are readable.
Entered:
4,56
